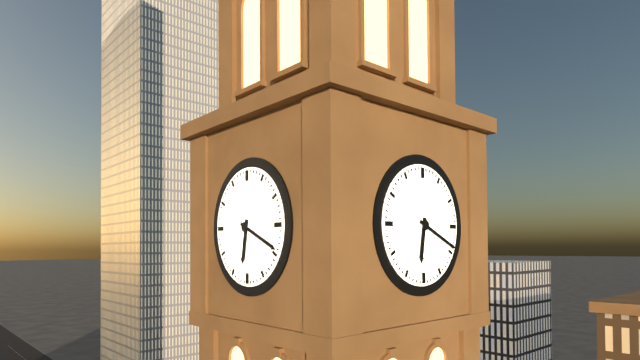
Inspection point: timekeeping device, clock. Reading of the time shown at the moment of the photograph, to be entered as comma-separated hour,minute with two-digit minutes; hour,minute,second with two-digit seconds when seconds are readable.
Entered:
6,19
